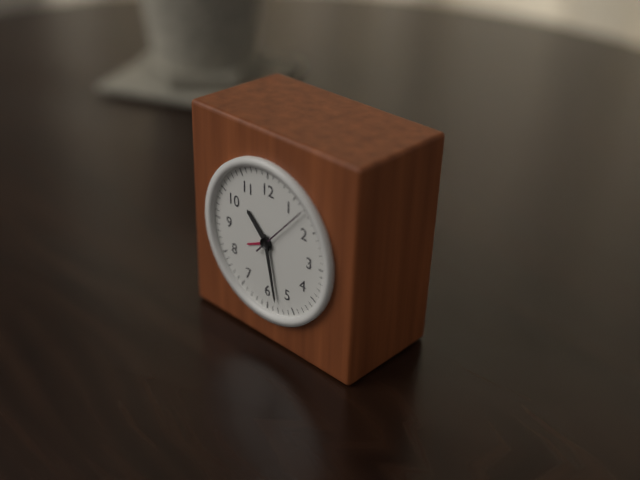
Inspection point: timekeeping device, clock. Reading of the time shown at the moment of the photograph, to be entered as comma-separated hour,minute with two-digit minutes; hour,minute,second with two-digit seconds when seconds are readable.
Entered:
10,28,07
